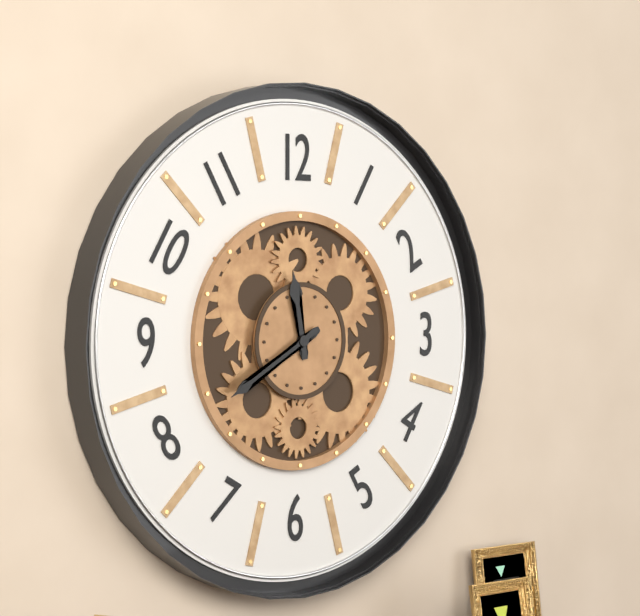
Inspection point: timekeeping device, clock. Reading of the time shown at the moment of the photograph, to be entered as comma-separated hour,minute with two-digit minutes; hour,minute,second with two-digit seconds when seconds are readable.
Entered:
11,40
